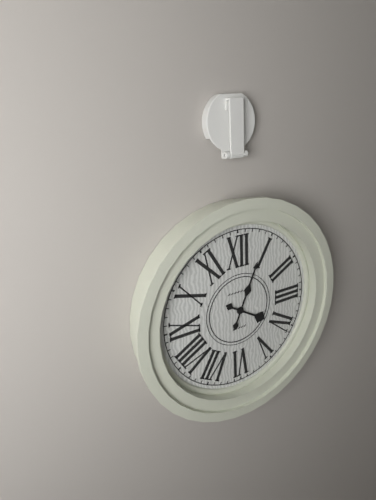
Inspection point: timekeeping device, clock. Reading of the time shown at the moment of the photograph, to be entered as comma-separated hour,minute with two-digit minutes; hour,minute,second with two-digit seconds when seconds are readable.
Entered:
4,04
